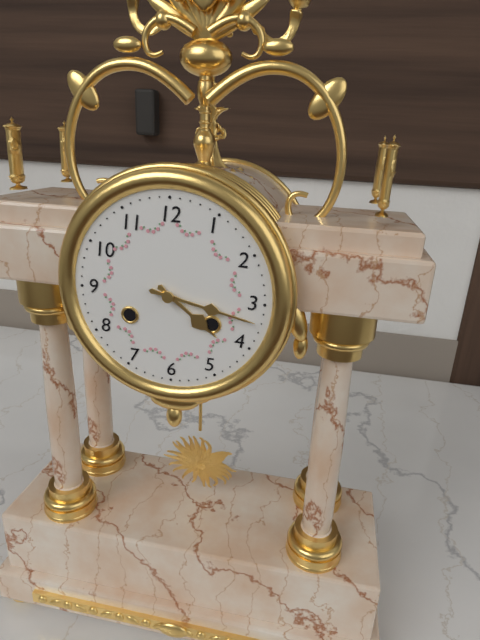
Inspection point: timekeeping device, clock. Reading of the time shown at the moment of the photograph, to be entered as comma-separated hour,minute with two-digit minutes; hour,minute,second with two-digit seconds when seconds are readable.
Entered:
4,17
